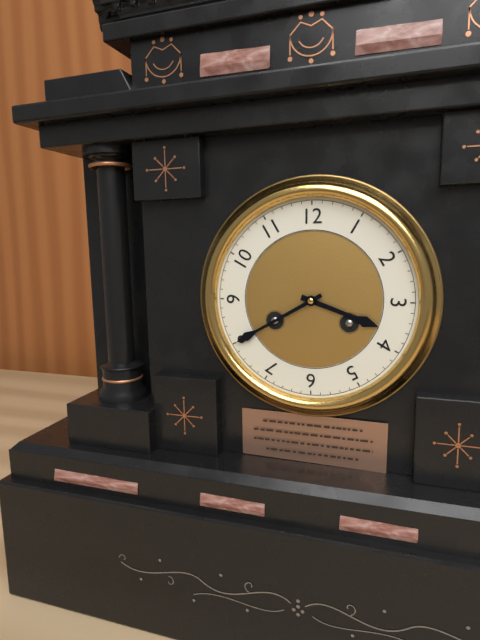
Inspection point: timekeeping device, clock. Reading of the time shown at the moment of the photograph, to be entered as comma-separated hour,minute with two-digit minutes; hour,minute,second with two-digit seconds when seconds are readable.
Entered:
3,40
